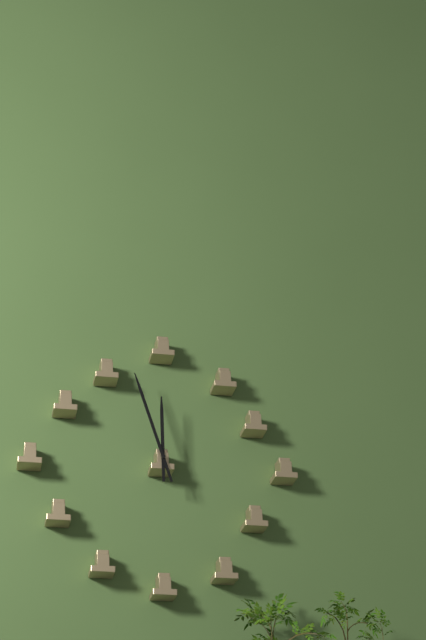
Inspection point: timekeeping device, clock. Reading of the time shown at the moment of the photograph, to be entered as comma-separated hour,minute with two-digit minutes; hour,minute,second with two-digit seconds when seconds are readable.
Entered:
11,57
